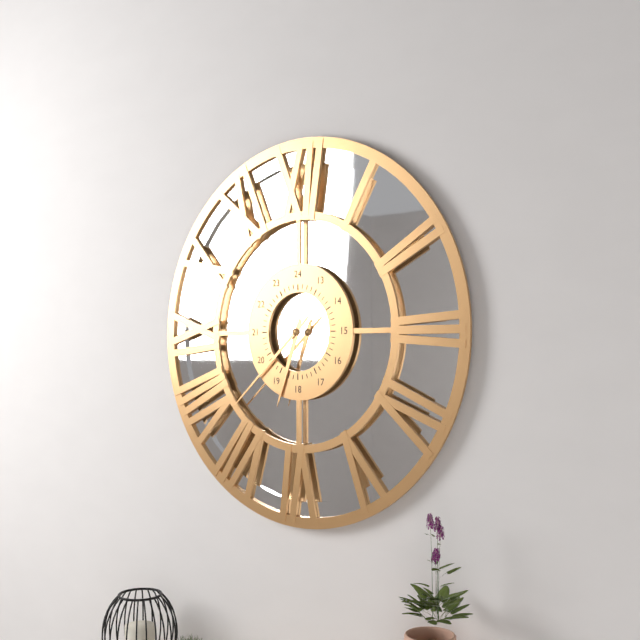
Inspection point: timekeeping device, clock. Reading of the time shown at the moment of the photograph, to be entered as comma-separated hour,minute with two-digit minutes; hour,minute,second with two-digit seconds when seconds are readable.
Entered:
6,38
